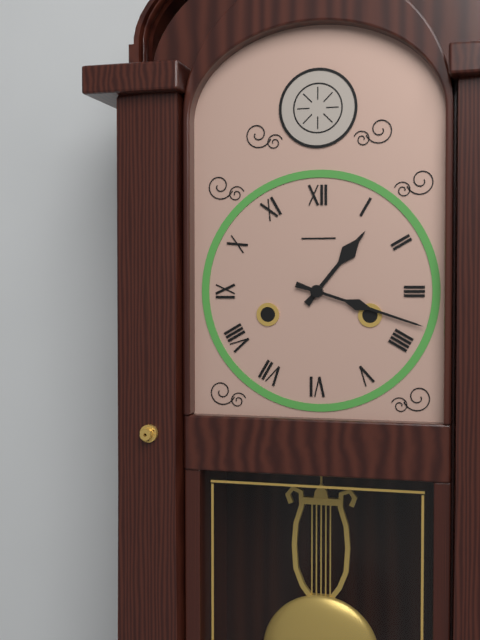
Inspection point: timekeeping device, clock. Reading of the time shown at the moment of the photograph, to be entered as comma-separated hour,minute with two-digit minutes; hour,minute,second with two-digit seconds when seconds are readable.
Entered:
1,18
